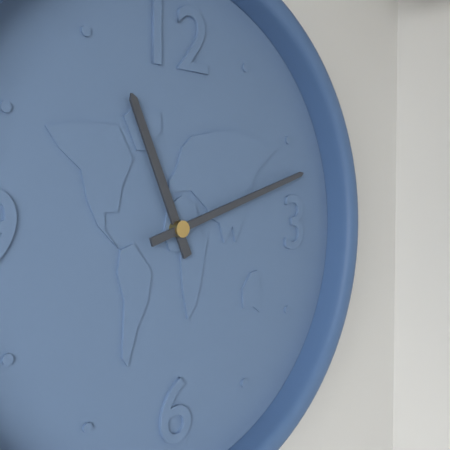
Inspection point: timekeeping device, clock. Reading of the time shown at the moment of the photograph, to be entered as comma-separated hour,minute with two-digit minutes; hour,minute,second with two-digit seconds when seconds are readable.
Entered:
11,12
